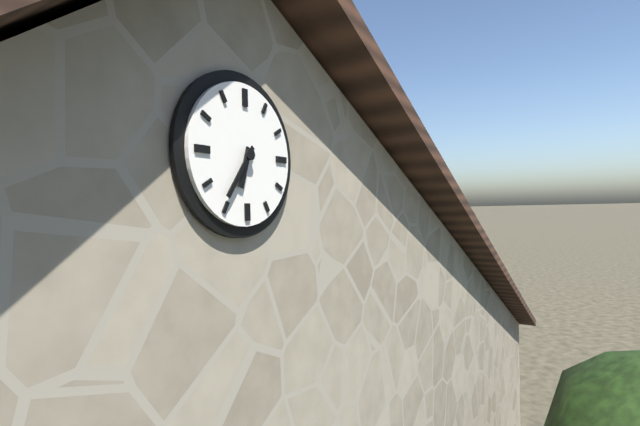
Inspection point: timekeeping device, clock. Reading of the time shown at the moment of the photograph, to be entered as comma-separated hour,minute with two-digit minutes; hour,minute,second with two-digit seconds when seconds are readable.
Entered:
6,36
